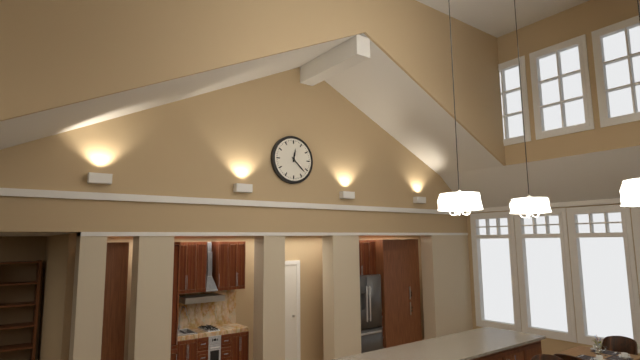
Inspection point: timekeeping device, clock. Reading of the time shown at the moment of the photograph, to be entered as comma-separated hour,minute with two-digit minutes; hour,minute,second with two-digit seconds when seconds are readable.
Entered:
12,22
